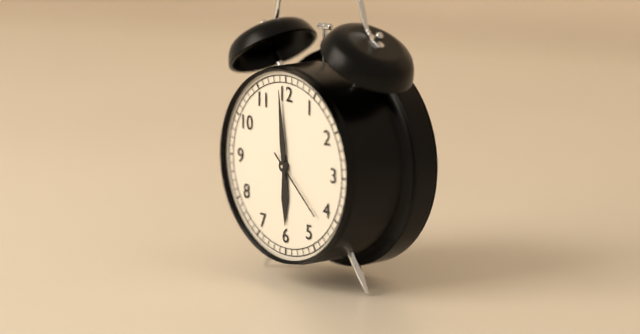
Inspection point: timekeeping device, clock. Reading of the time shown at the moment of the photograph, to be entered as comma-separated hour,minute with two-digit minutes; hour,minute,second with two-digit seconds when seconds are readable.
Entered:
5,59,22
